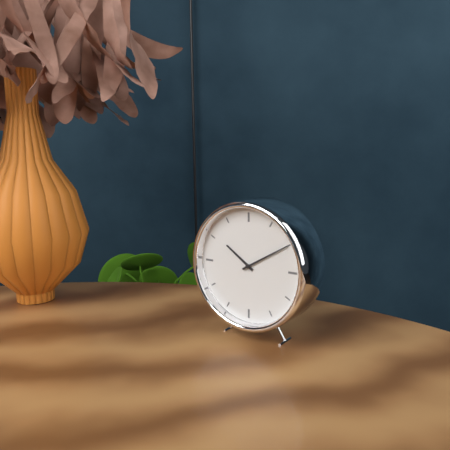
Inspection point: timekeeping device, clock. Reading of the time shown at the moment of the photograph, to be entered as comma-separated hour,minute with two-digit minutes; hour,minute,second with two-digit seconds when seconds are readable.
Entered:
10,10
